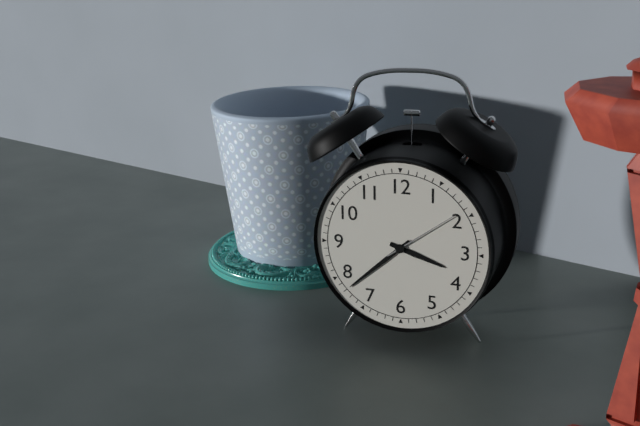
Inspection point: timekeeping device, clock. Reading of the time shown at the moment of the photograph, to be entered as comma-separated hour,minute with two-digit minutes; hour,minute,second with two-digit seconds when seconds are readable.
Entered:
3,38,09
